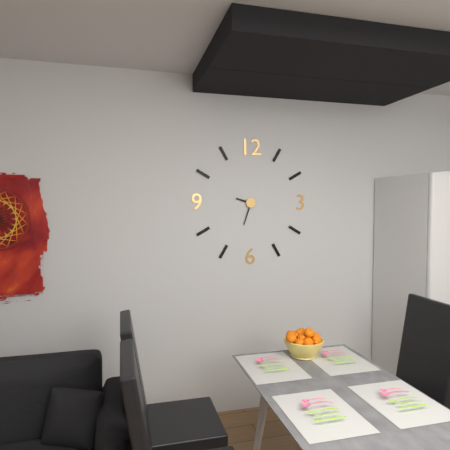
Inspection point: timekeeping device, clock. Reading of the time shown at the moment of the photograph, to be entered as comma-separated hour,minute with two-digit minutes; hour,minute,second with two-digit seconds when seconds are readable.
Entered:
9,33
